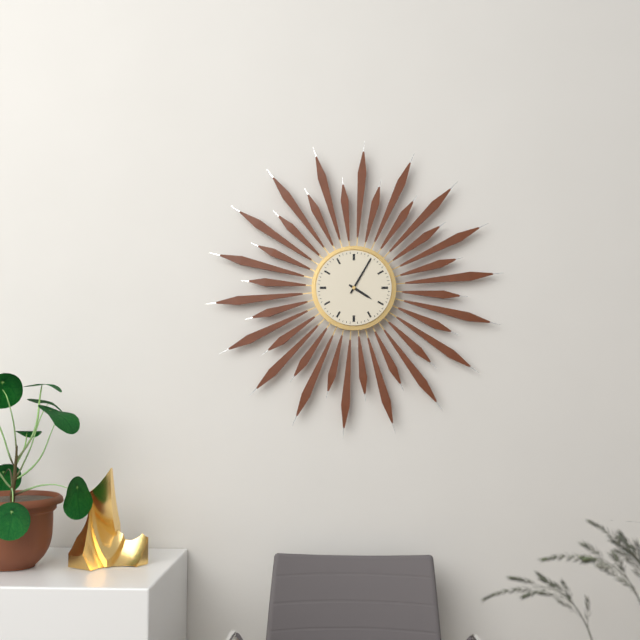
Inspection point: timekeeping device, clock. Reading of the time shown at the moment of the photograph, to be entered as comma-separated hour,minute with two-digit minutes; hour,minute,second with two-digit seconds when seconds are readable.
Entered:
4,05
